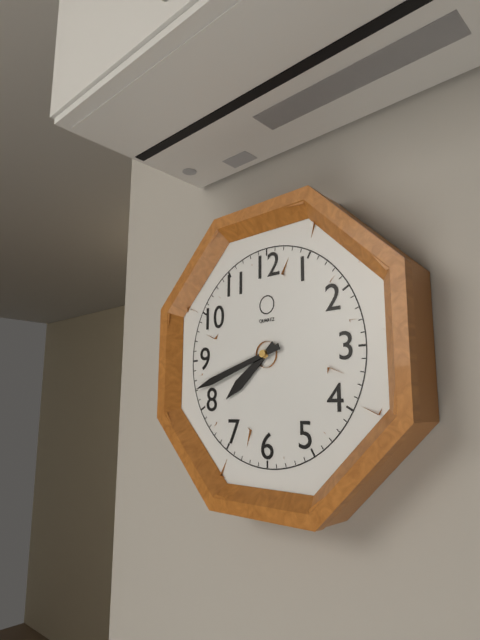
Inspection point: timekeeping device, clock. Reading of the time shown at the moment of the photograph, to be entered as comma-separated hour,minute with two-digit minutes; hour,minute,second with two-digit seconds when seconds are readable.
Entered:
7,42
